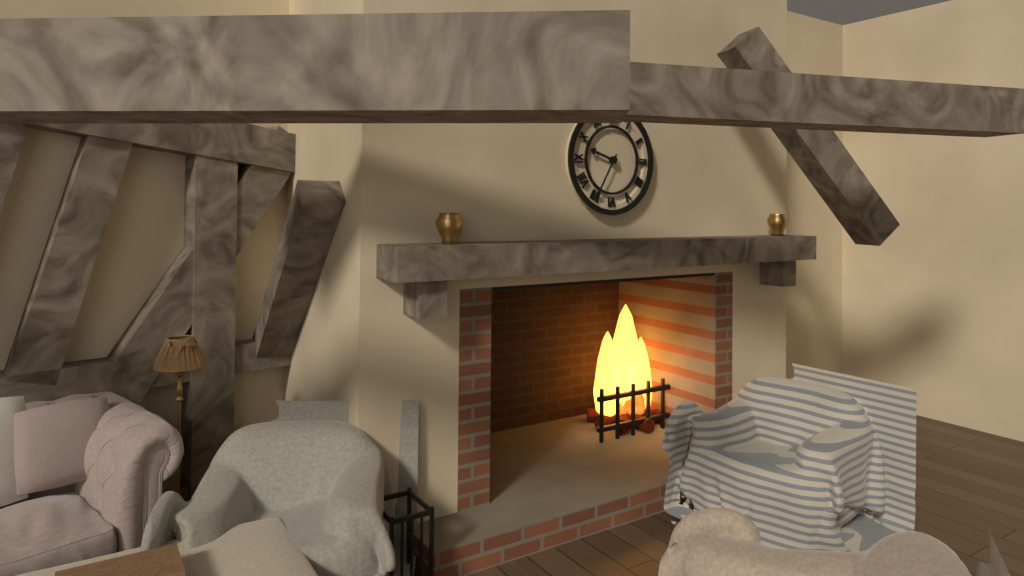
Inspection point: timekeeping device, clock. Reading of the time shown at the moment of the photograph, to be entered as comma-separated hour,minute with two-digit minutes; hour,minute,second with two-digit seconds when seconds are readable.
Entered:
9,35
